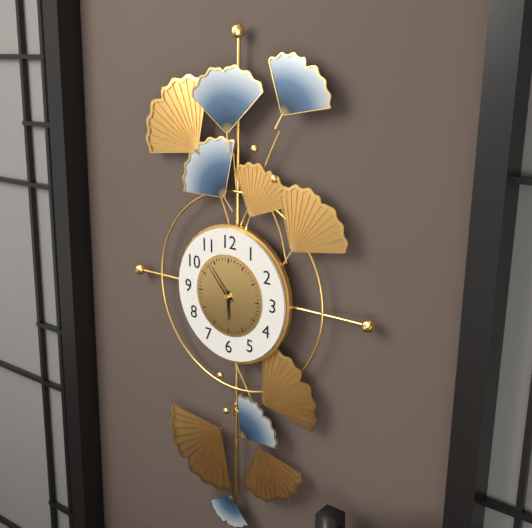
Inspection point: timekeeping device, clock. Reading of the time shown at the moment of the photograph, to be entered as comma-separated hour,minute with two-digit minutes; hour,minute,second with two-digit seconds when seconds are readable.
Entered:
5,53
